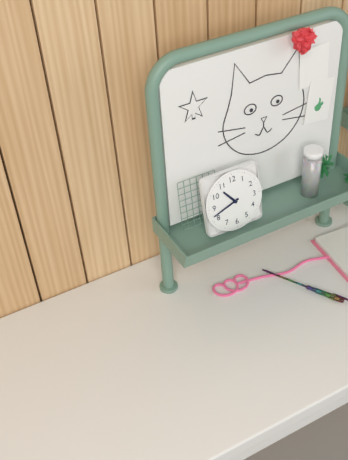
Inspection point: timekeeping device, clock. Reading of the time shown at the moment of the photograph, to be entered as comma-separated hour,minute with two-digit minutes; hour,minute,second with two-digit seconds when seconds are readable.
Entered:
10,42
